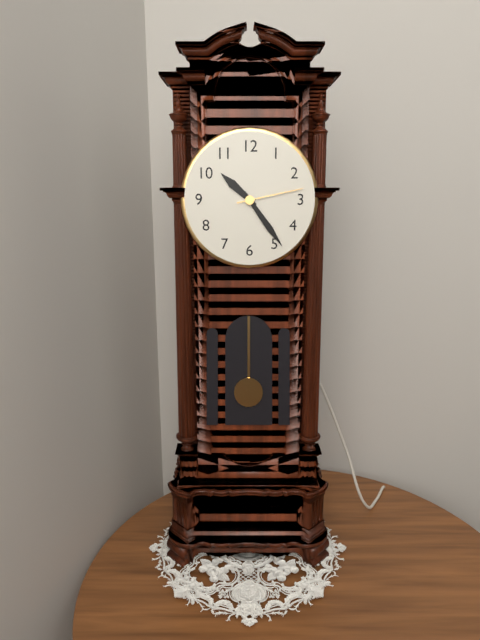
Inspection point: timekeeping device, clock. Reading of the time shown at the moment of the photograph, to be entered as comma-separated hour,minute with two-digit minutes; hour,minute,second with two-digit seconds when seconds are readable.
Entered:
10,24,13
